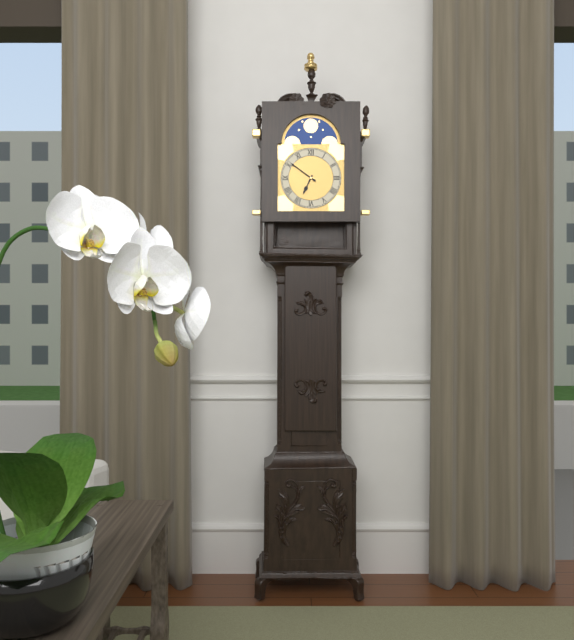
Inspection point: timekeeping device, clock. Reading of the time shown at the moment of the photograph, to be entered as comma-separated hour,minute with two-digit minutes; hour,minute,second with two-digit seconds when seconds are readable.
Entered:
6,51
